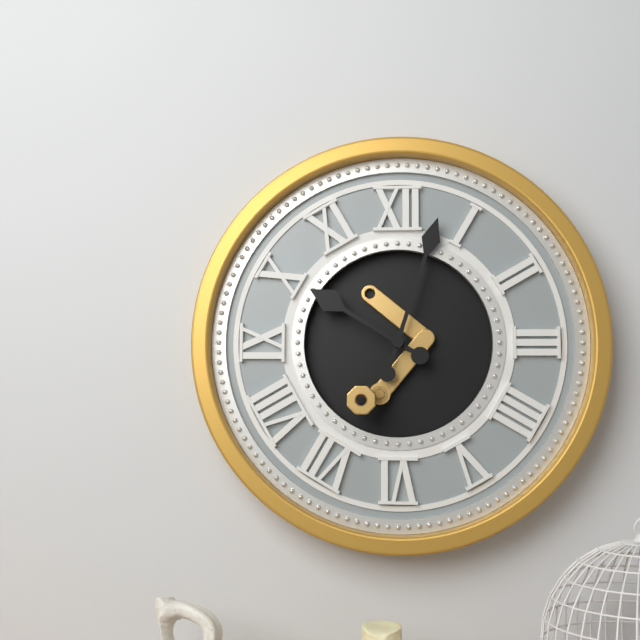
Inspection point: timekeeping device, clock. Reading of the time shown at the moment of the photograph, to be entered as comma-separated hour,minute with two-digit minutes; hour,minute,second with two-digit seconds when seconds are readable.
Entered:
10,03
